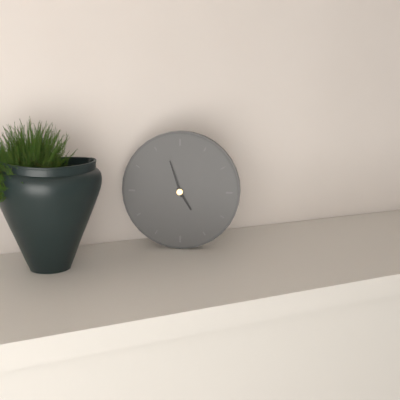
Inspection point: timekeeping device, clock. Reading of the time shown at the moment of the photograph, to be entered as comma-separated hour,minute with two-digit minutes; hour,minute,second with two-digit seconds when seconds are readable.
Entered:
4,57
